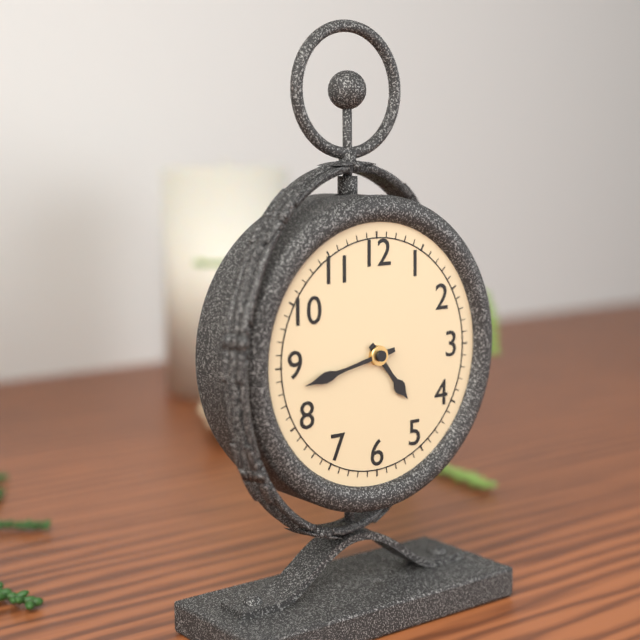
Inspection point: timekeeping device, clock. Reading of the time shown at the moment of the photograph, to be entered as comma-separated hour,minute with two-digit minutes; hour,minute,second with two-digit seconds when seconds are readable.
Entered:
4,43
